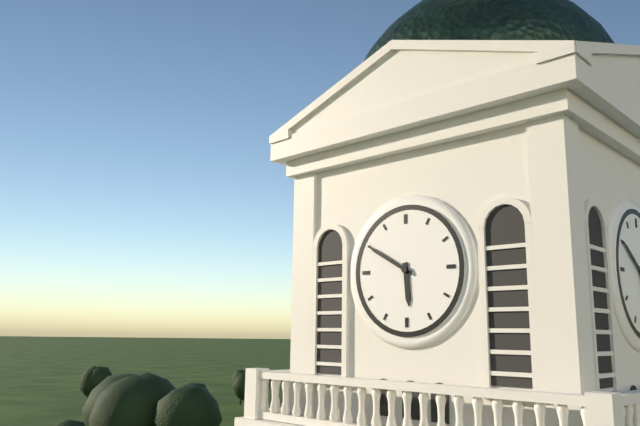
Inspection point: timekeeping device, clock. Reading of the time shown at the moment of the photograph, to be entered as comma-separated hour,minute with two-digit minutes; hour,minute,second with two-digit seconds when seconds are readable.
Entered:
5,50
